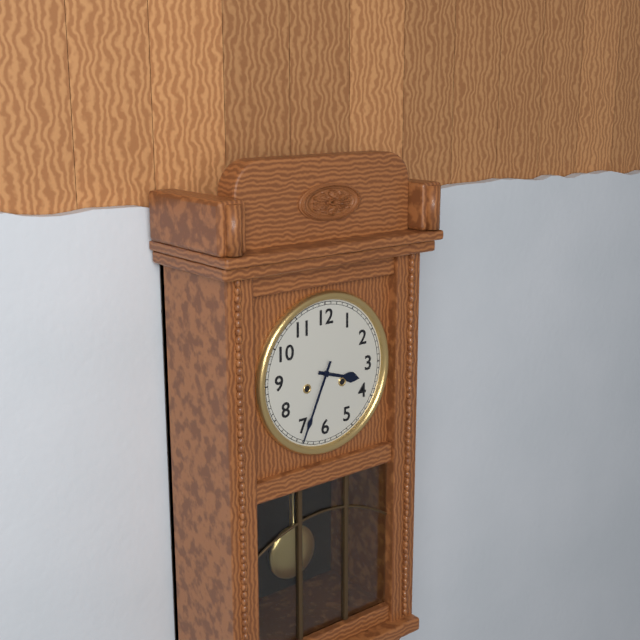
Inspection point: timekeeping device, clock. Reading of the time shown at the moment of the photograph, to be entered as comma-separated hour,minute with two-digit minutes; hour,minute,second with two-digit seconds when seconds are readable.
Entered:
3,34
